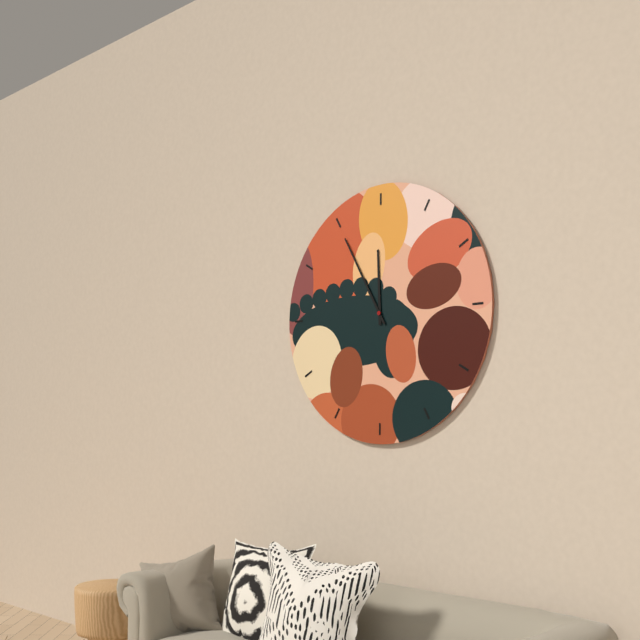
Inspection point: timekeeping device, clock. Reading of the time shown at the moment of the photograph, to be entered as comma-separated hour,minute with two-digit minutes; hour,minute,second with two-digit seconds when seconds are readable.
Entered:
11,55
